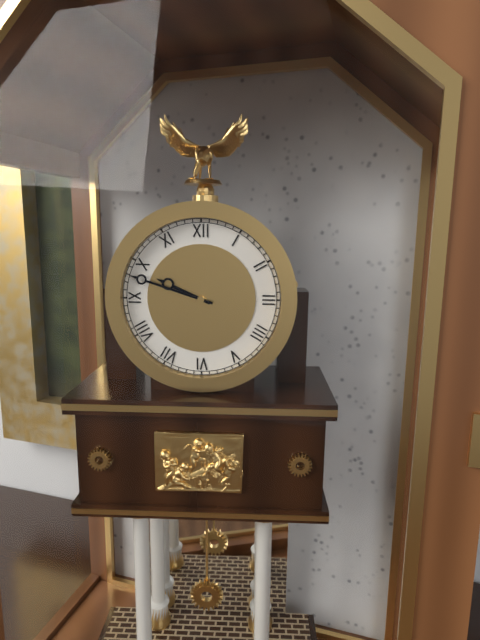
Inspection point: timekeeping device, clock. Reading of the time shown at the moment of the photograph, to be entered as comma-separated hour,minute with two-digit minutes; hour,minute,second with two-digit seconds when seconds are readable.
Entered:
9,48
